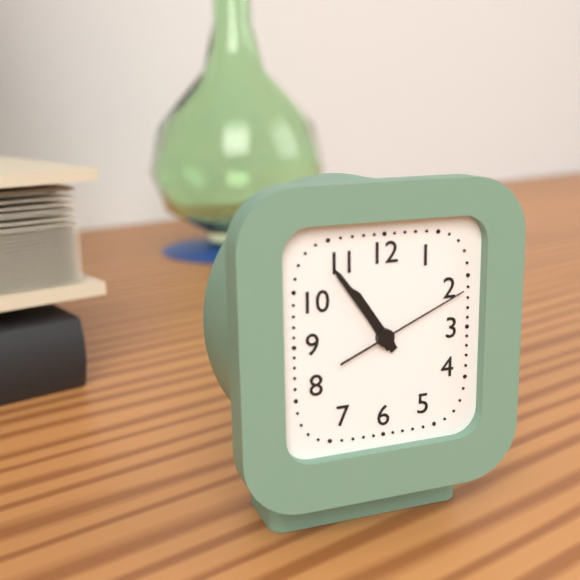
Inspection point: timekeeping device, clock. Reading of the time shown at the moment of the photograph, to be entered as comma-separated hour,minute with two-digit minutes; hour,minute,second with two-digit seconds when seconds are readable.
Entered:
10,54,11
